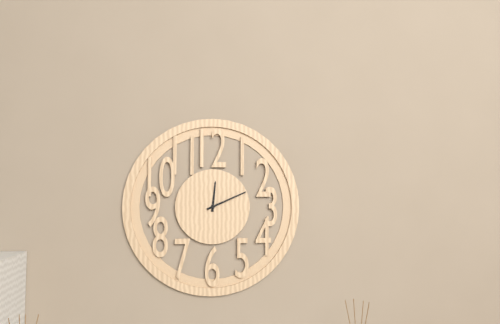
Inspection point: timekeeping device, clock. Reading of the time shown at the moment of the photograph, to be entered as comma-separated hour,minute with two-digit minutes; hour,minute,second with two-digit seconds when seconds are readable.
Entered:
12,11
